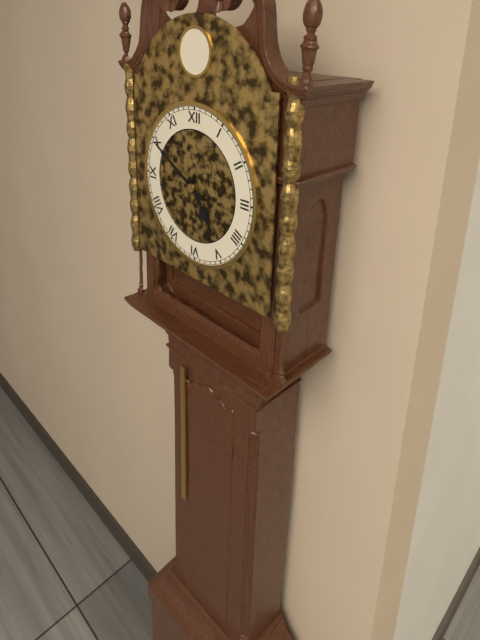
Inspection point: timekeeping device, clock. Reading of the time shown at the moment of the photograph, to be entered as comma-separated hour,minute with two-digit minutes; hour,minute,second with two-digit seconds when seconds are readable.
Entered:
4,50
